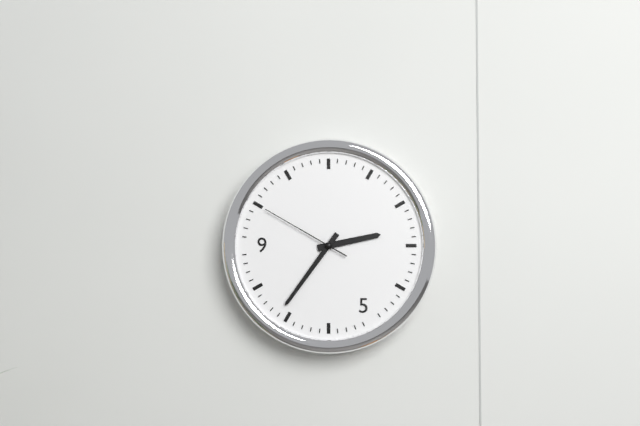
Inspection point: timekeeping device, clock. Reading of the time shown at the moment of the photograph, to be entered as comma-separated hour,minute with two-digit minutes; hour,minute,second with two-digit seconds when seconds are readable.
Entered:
2,36,50
